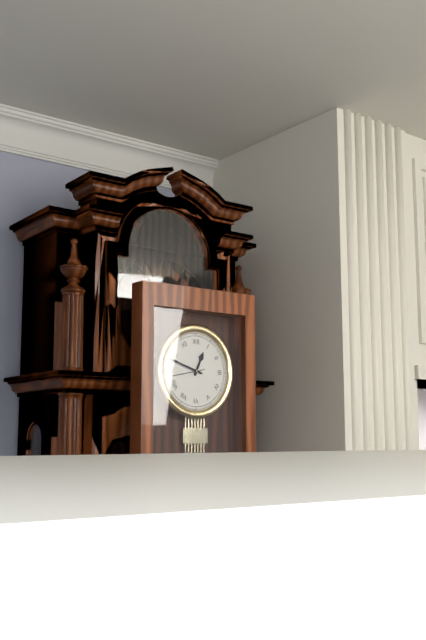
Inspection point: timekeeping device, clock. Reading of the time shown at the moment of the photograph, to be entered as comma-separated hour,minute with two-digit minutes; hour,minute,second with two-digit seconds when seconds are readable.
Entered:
12,48
